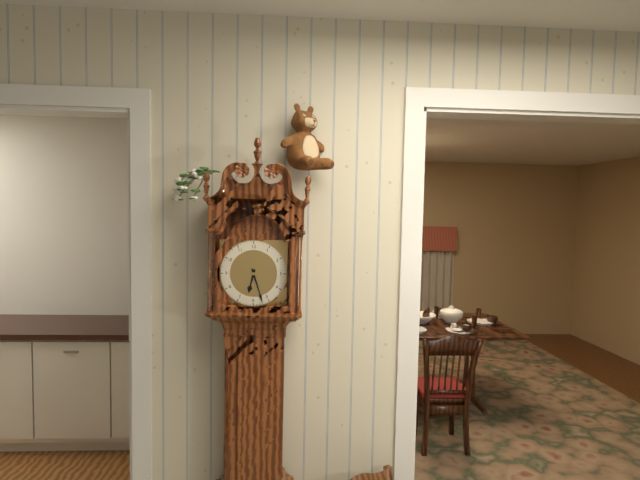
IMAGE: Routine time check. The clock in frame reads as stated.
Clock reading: 6:27
